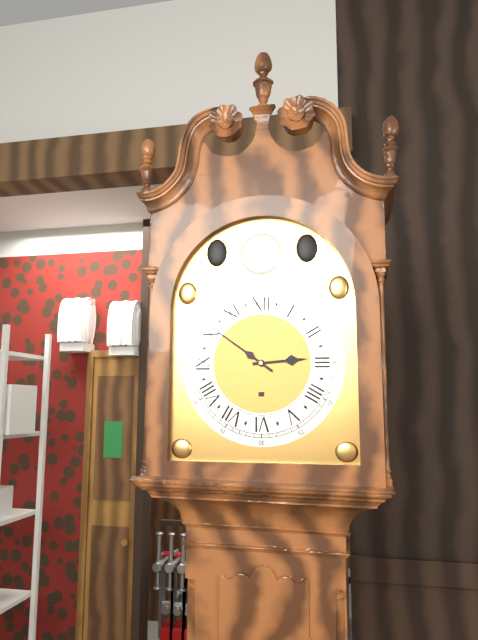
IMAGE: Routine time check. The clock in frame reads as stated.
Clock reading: 2:51
